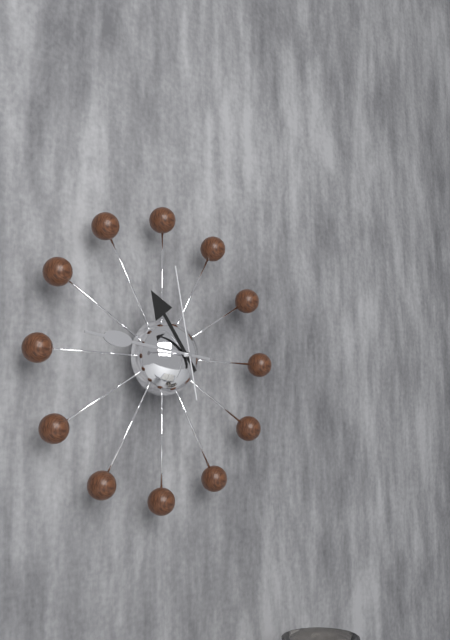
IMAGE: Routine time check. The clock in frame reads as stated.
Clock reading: 10:46:58
